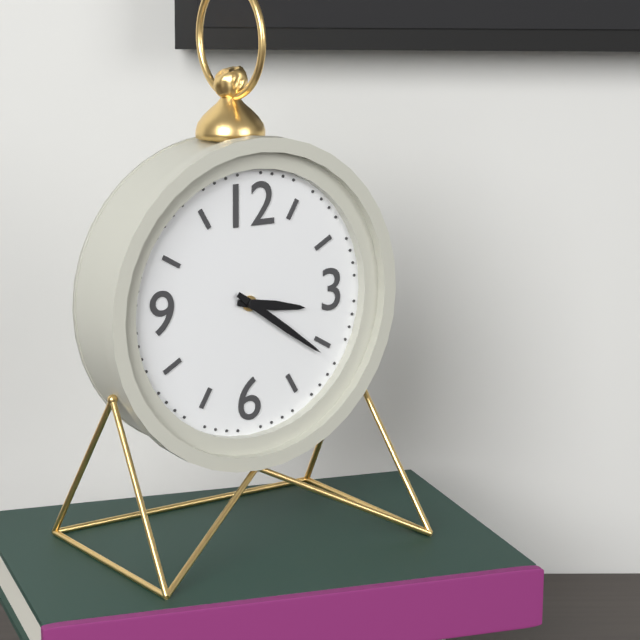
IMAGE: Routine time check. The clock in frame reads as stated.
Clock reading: 3:21
